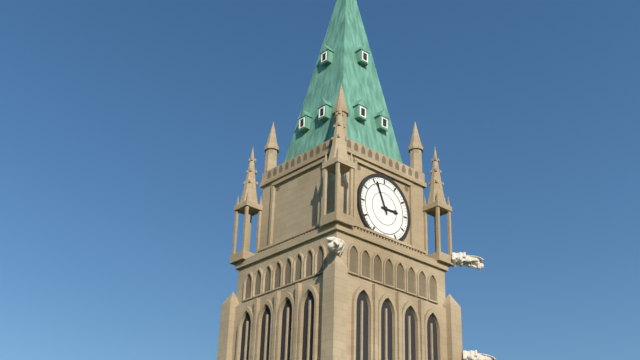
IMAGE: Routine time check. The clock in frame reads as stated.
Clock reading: 2:56
